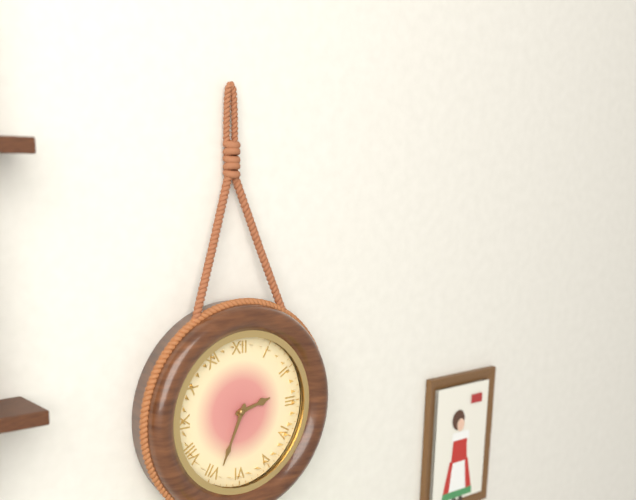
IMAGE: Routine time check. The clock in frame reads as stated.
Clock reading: 2:34
